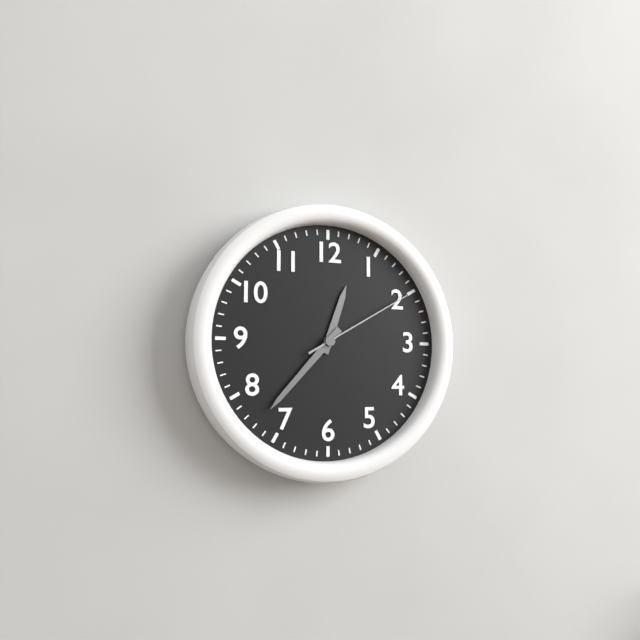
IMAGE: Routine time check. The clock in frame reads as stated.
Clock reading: 12:37:10
